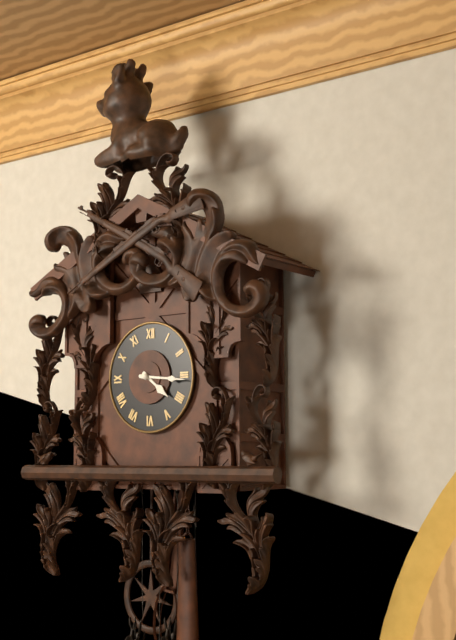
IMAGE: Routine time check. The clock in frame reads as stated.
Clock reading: 4:16
